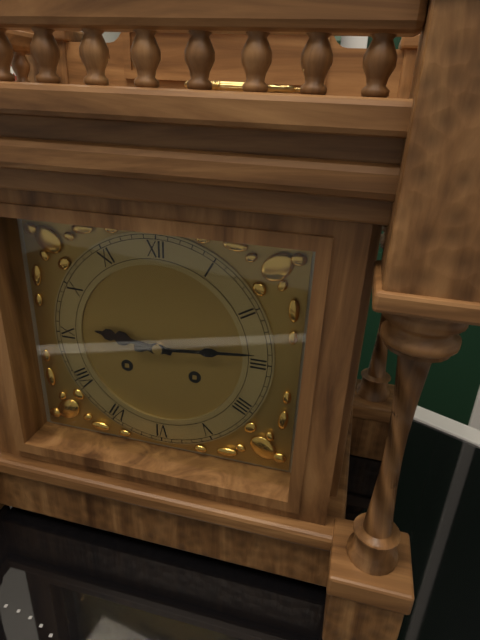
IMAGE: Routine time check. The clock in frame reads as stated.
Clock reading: 9:14
